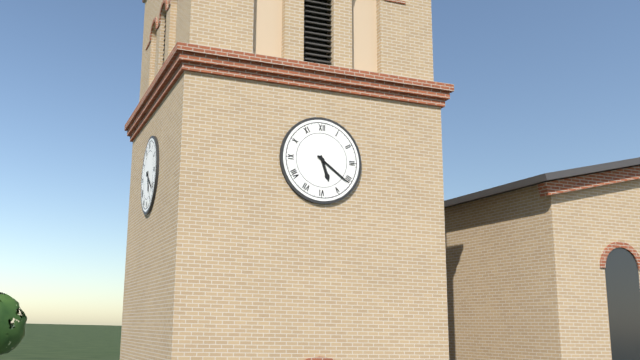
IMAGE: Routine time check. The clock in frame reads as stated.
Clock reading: 5:21
